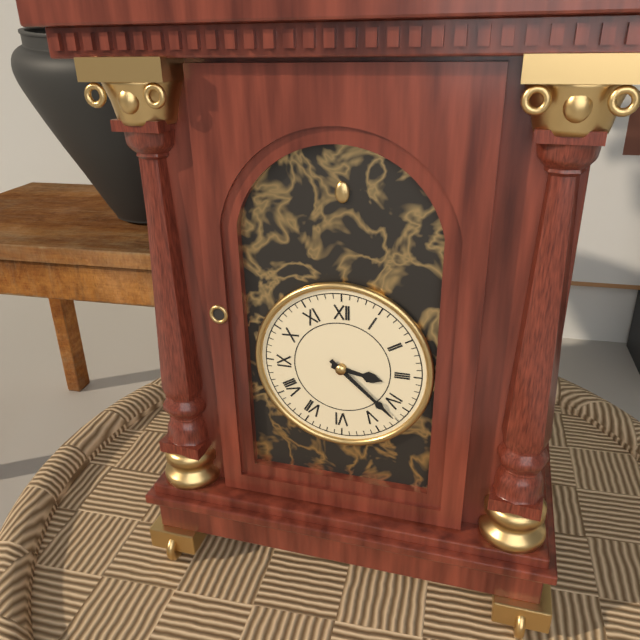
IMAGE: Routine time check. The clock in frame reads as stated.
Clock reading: 3:22
